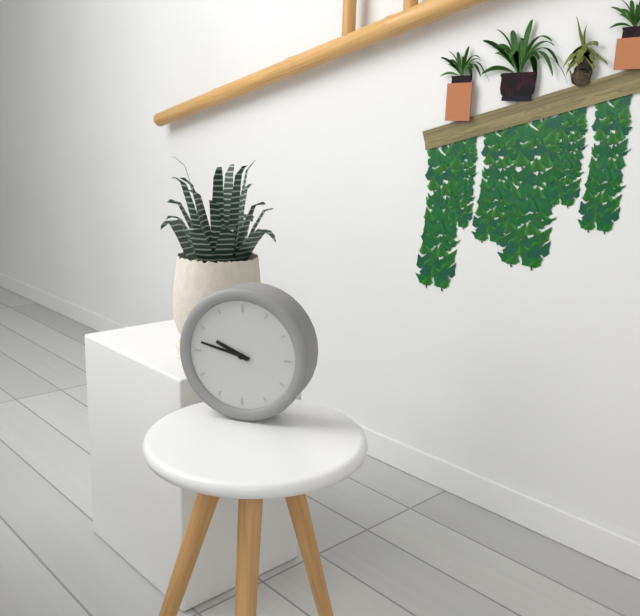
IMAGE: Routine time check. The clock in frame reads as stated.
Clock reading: 9:47
